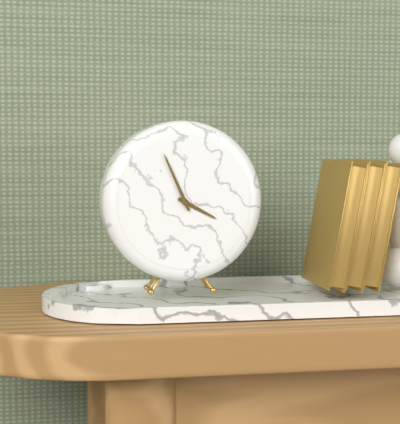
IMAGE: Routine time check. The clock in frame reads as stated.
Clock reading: 3:56
